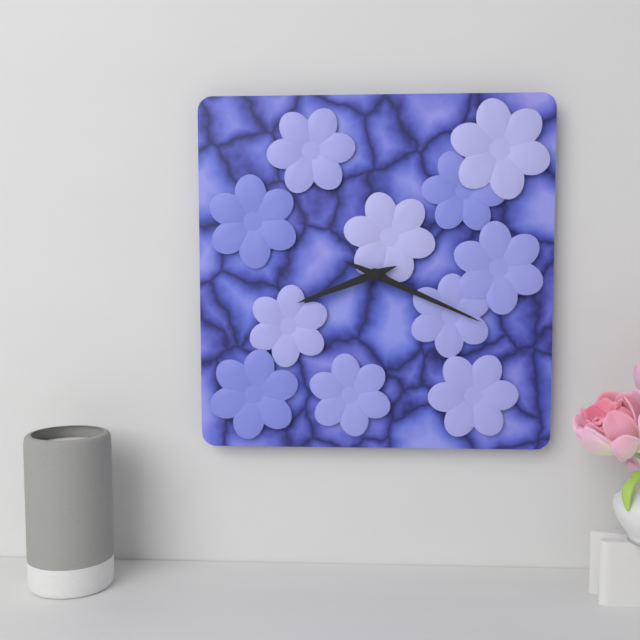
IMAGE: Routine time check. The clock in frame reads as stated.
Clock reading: 8:19
